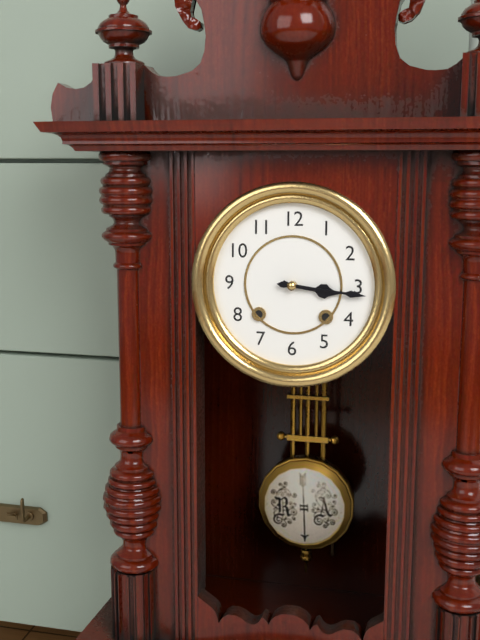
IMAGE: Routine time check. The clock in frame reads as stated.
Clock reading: 3:16
